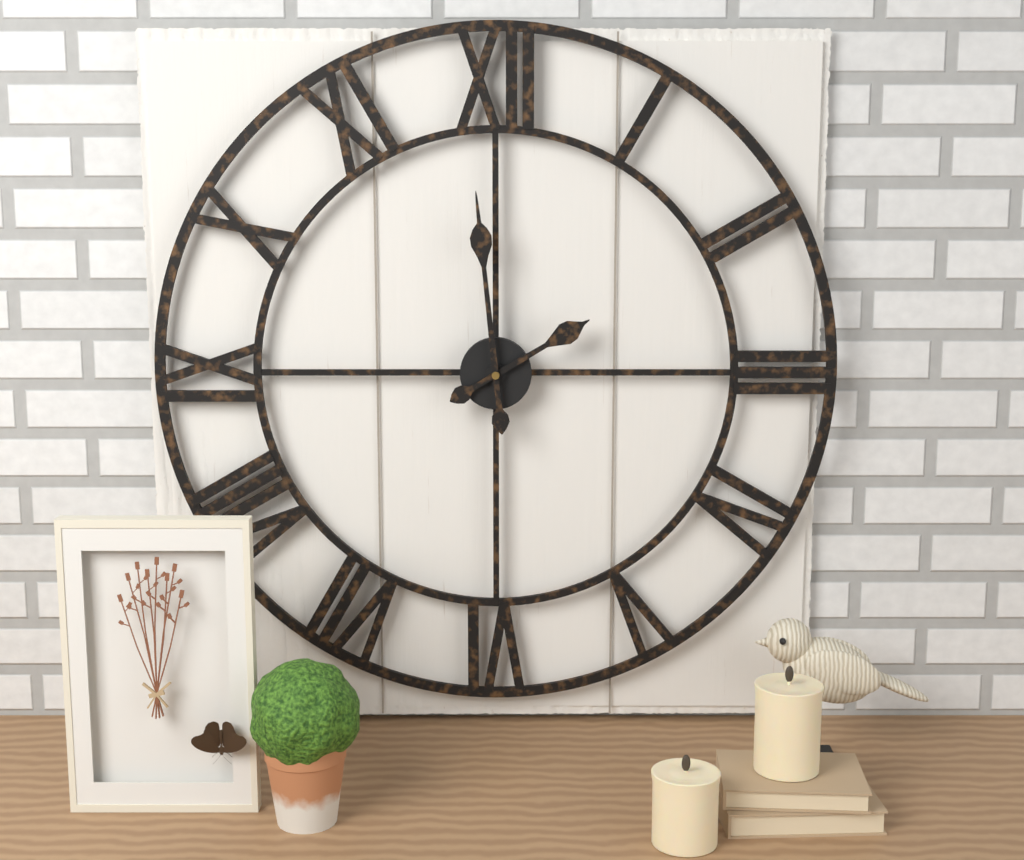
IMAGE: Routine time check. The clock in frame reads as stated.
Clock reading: 1:59
